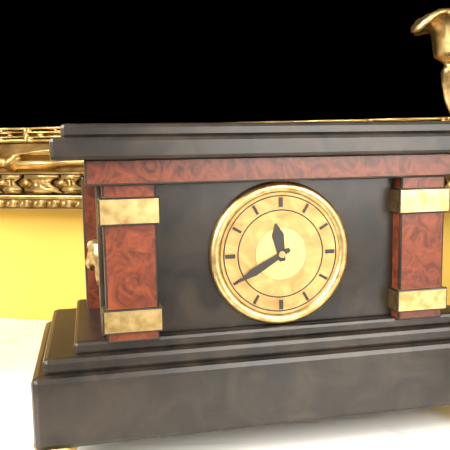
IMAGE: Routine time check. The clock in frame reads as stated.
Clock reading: 11:40
